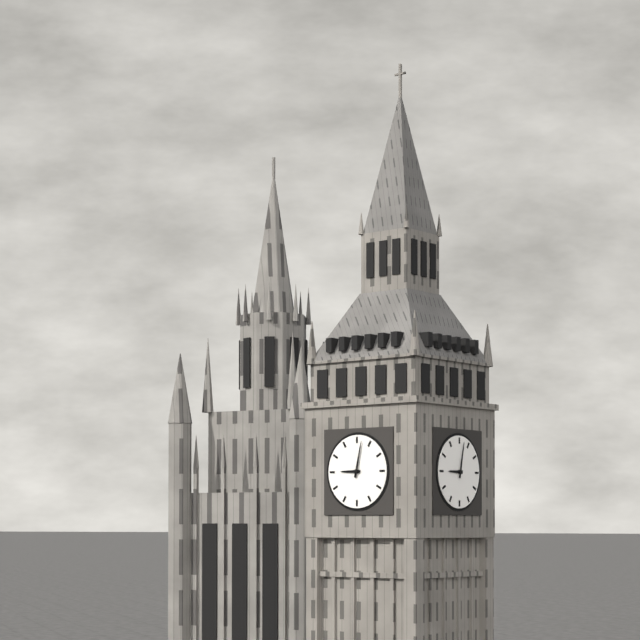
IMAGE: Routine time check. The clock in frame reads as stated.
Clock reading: 9:02
